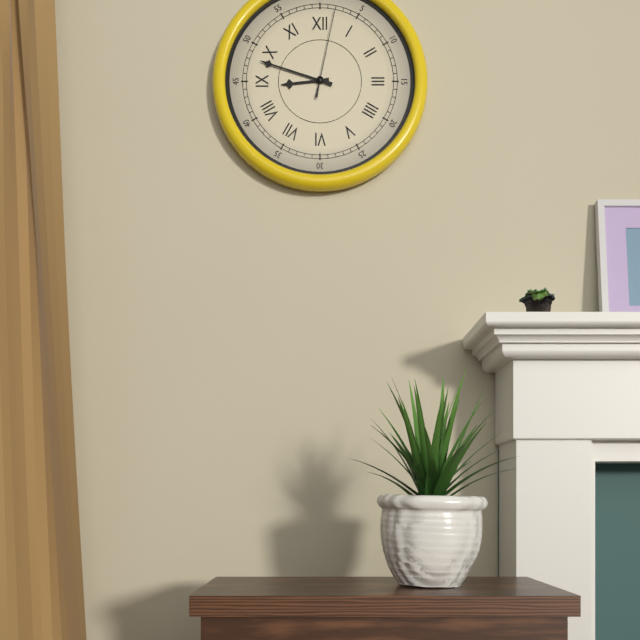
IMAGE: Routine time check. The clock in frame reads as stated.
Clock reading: 8:48:02
